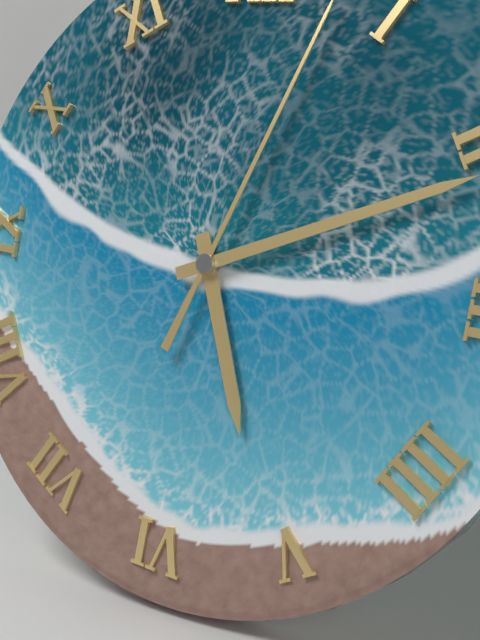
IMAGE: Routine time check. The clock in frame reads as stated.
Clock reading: 5:11
